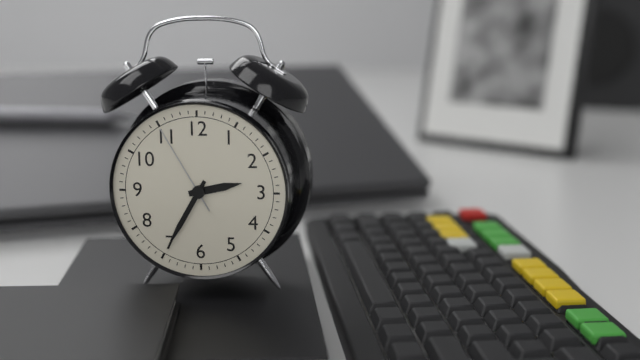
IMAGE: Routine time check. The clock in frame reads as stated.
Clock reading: 2:35:55
